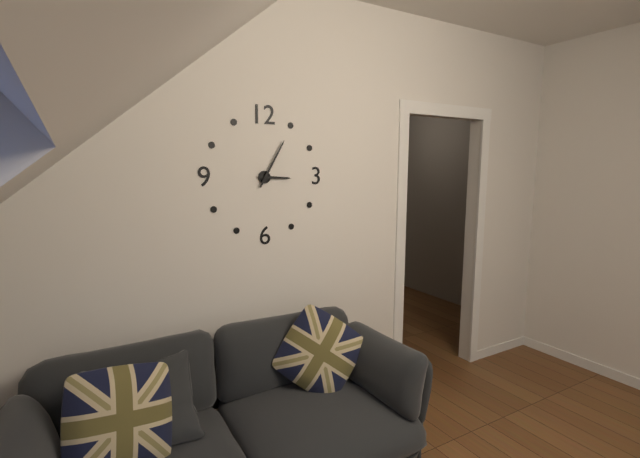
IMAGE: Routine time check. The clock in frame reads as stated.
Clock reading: 3:05
